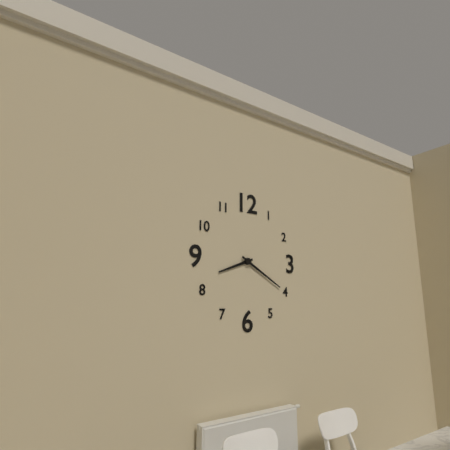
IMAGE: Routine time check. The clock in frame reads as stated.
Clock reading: 8:20
